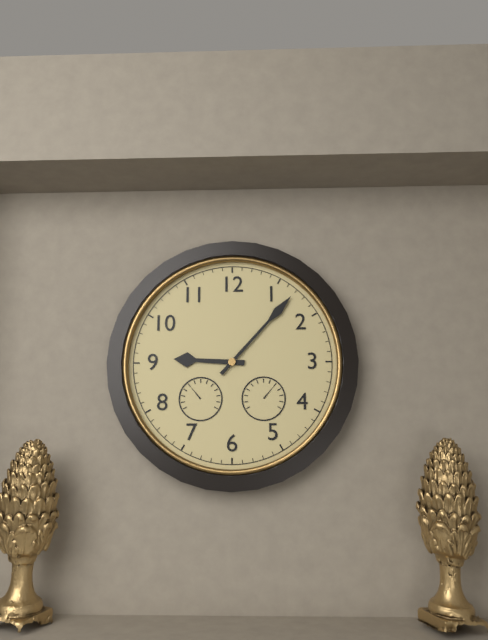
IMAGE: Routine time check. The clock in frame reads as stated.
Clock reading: 9:07
